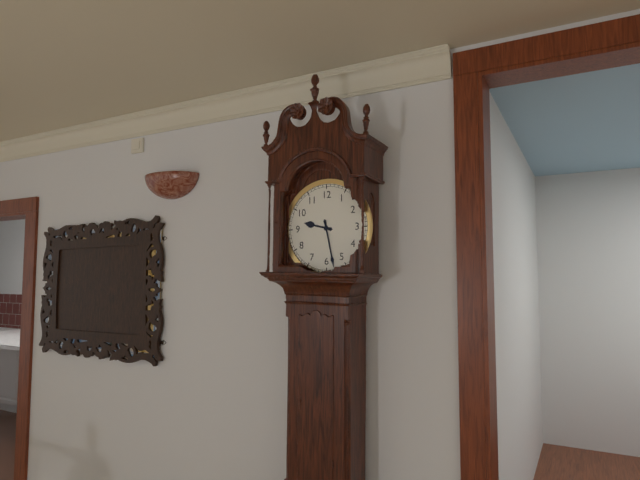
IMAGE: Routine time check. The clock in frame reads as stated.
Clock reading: 9:28
